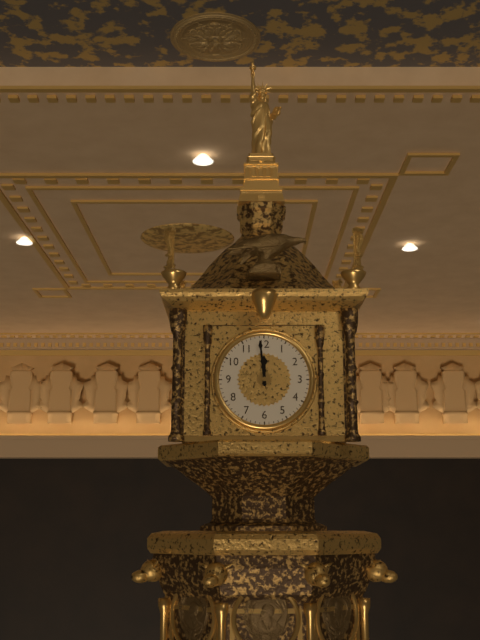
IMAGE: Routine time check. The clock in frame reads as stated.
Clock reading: 11:59
